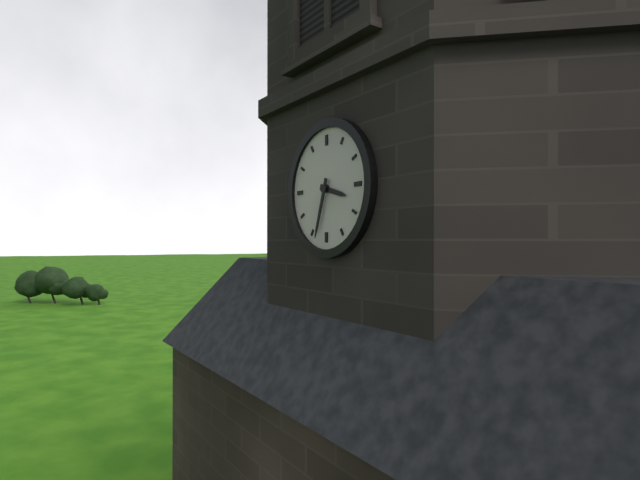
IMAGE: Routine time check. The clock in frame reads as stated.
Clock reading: 3:33
